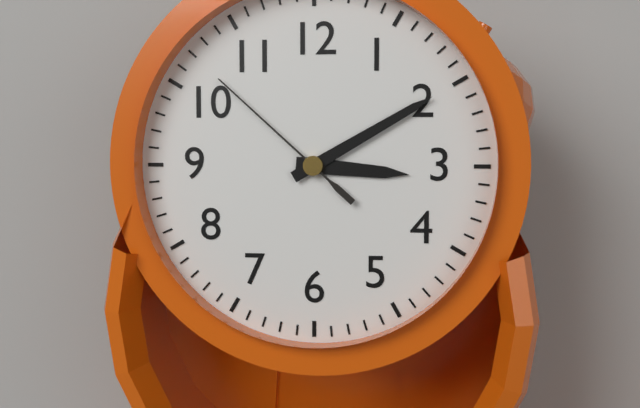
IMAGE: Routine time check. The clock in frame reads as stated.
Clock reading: 3:10:52
